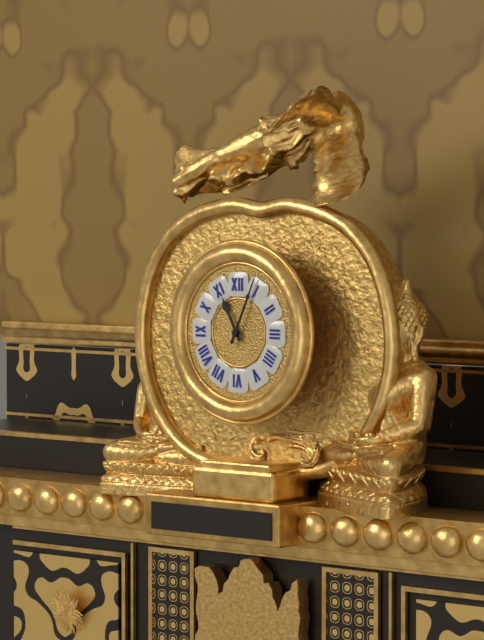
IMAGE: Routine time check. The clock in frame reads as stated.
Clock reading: 11:04
